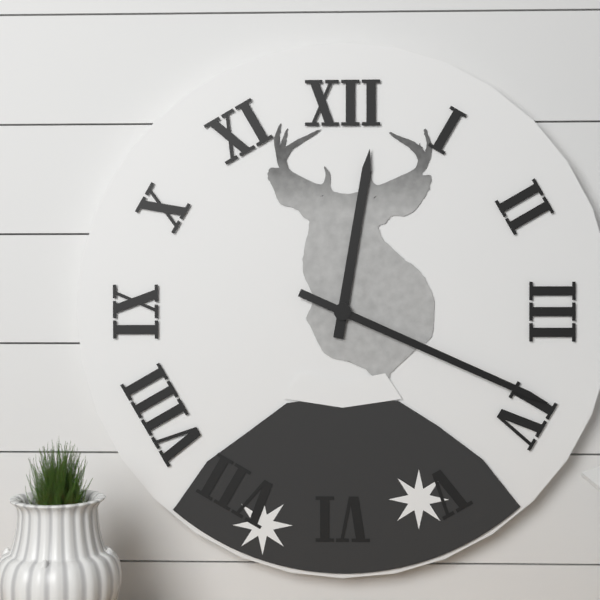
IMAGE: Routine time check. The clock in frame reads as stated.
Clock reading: 12:19
